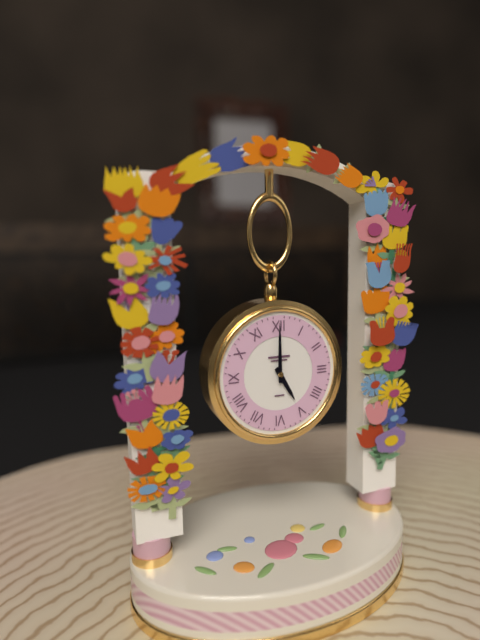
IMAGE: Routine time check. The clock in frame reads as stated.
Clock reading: 5:00
